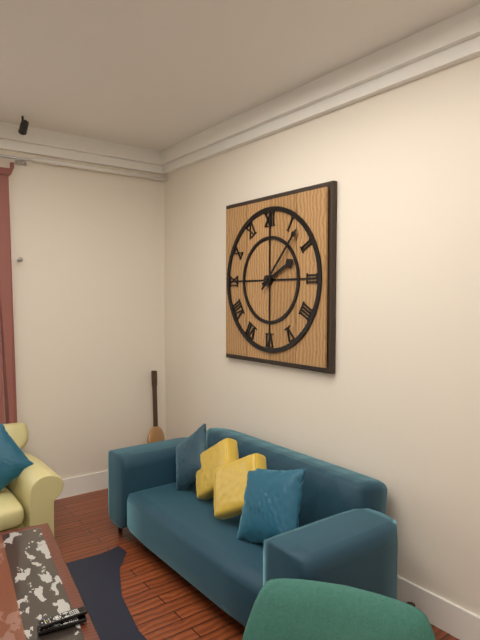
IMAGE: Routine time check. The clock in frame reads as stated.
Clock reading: 2:07
